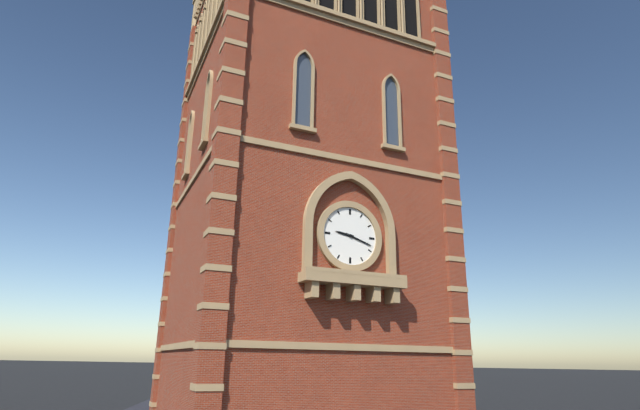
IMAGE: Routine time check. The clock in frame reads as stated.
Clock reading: 9:18
